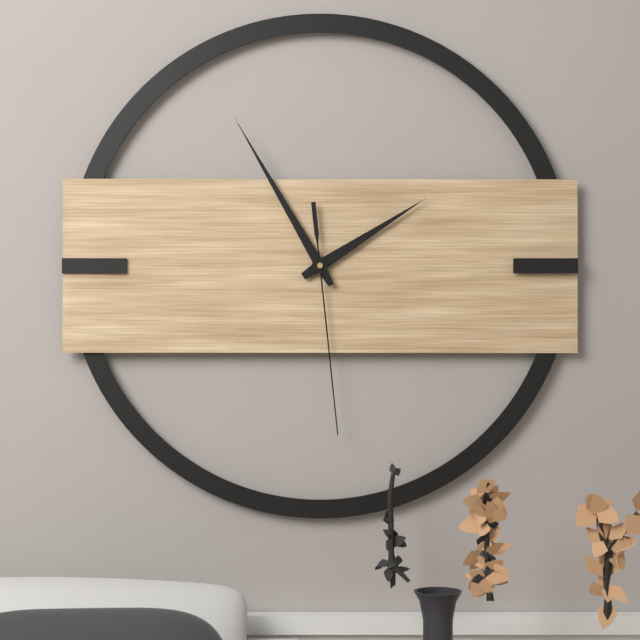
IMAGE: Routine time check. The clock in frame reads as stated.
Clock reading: 1:55:29
